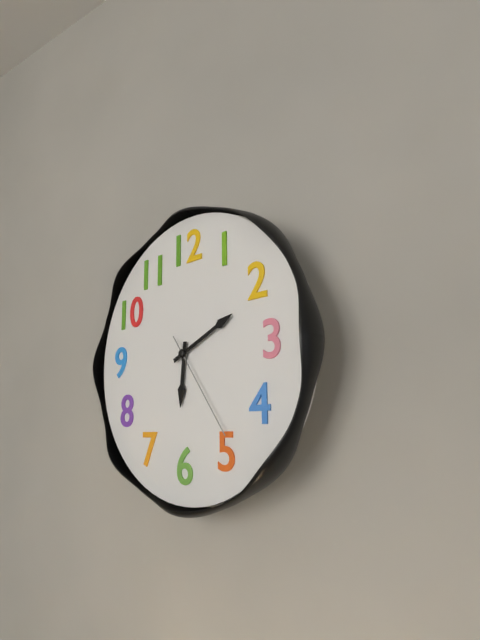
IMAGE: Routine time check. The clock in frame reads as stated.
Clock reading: 6:11:24
